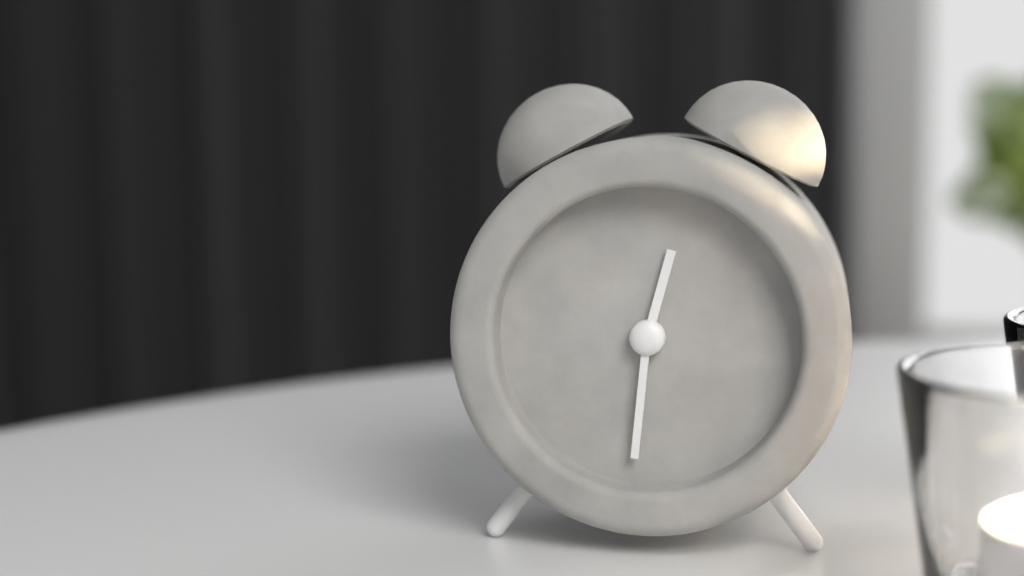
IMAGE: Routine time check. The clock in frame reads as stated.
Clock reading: 12:31
